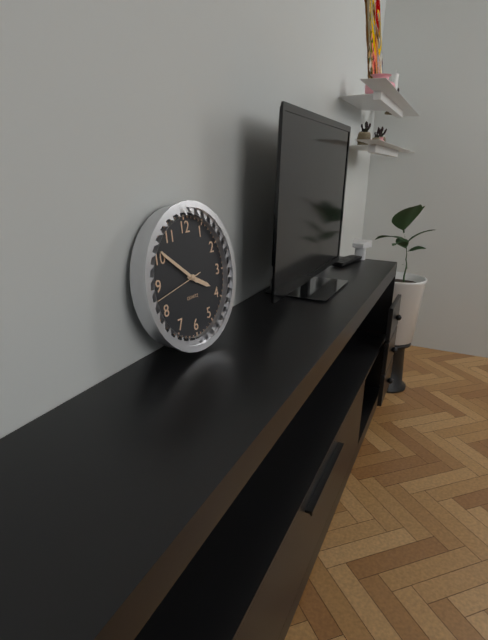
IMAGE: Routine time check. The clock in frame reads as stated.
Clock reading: 3:51
